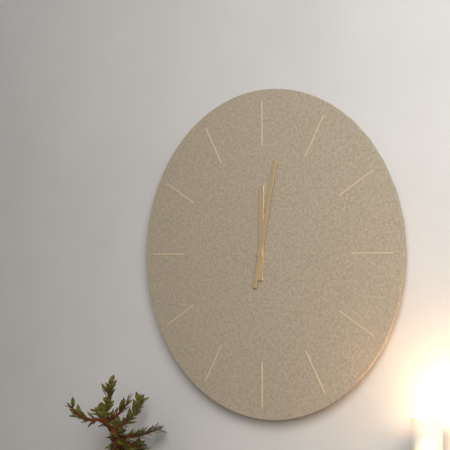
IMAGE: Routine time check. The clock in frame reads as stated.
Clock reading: 12:02
